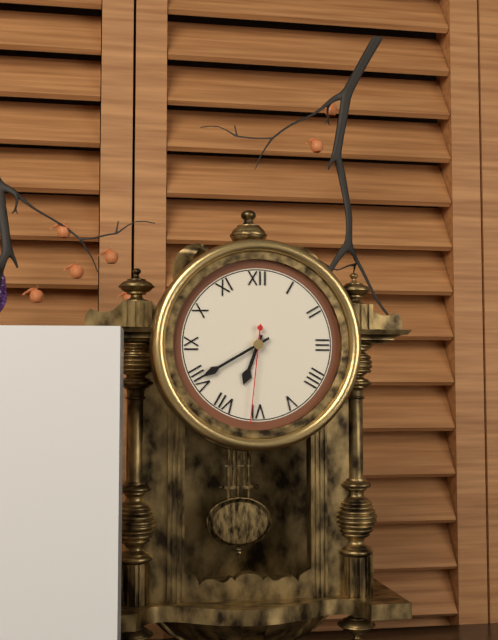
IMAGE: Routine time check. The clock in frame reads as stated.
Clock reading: 6:40:31
